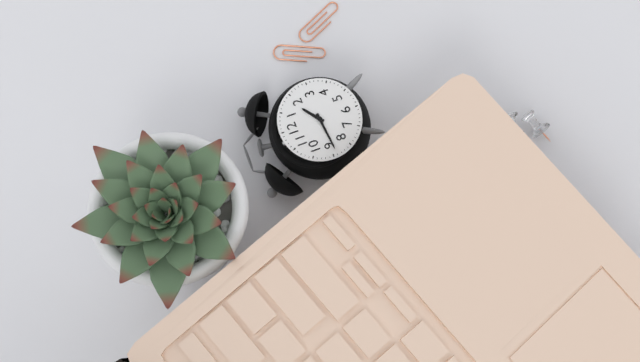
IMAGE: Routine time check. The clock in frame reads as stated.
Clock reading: 1:44
